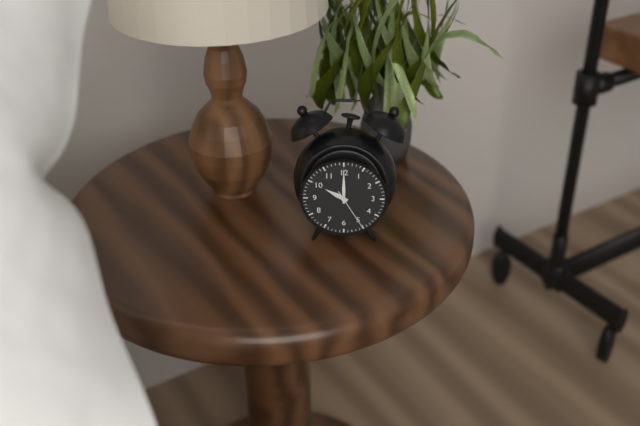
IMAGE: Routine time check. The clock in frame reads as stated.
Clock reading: 10:00
